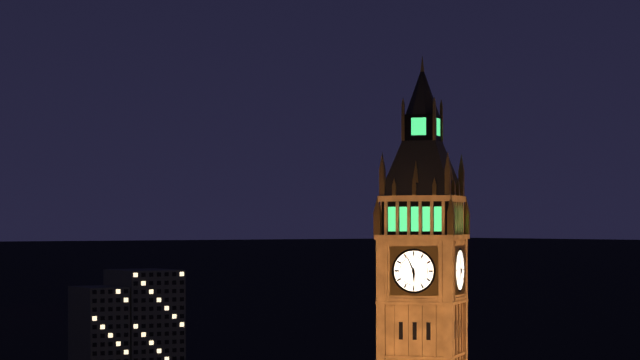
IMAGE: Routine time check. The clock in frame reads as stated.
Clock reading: 5:56
